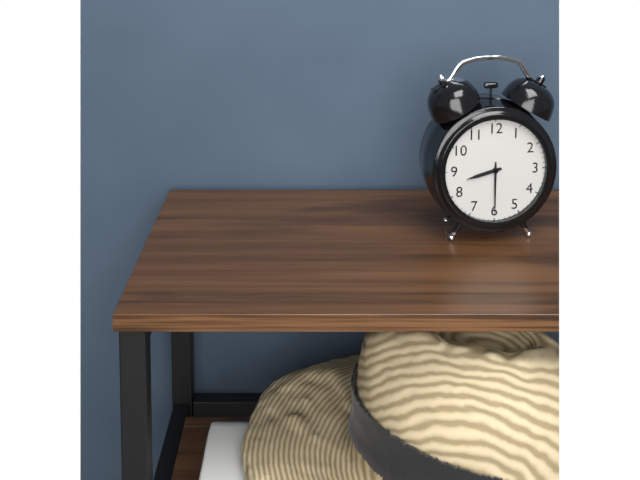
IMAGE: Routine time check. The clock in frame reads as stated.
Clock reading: 8:30
